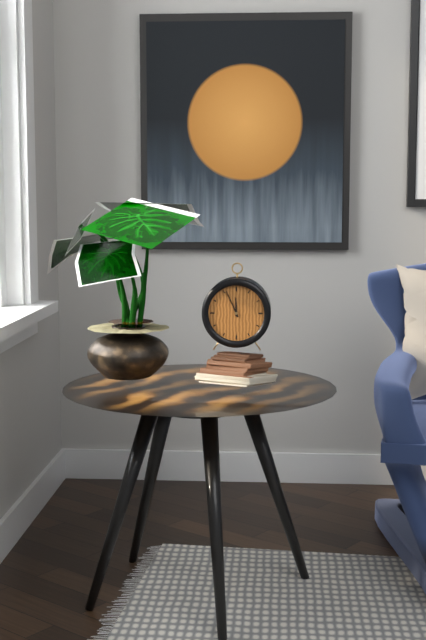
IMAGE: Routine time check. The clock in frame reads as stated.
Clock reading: 11:56
